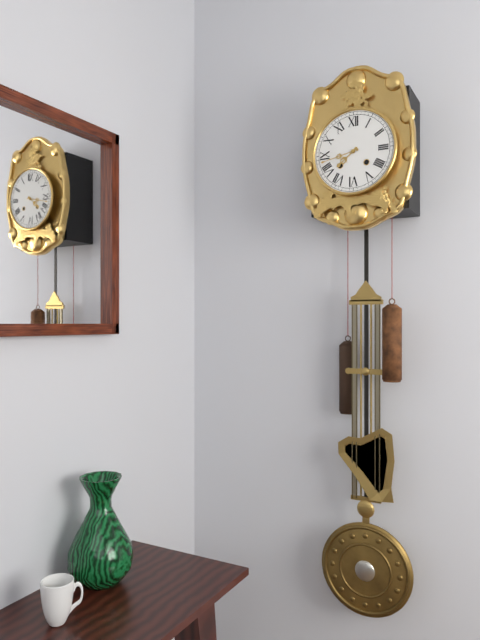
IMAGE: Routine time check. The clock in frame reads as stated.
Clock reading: 7:43
